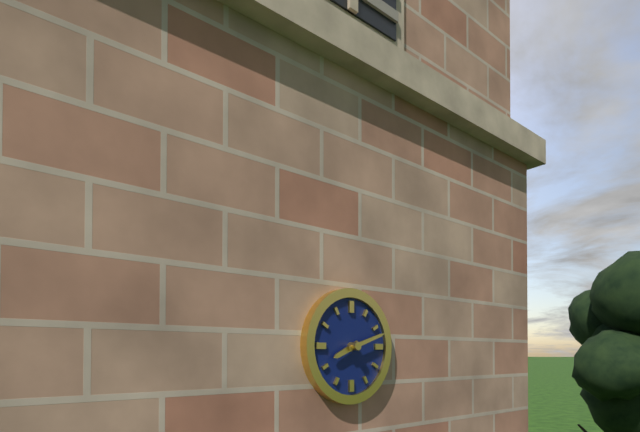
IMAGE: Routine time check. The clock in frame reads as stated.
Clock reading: 8:12
